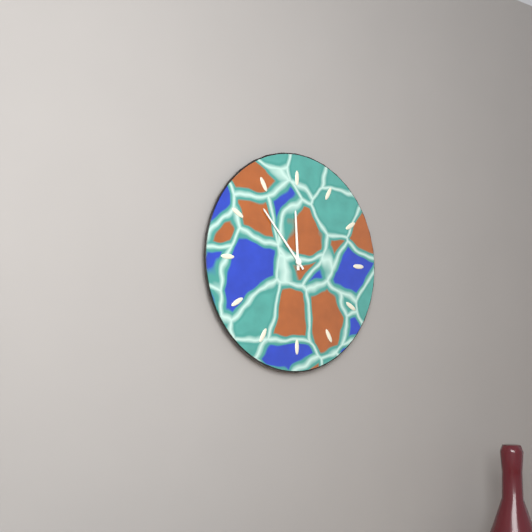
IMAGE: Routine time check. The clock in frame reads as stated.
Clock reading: 11:53
